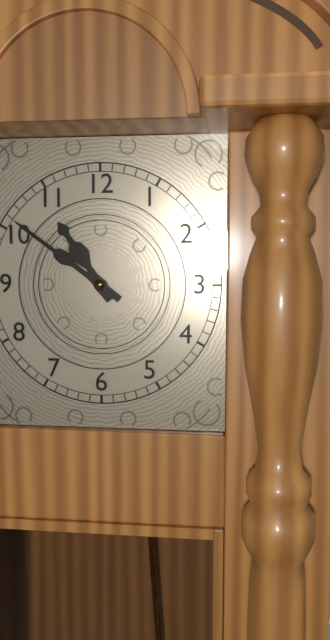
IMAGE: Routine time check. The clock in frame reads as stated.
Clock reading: 10:51
